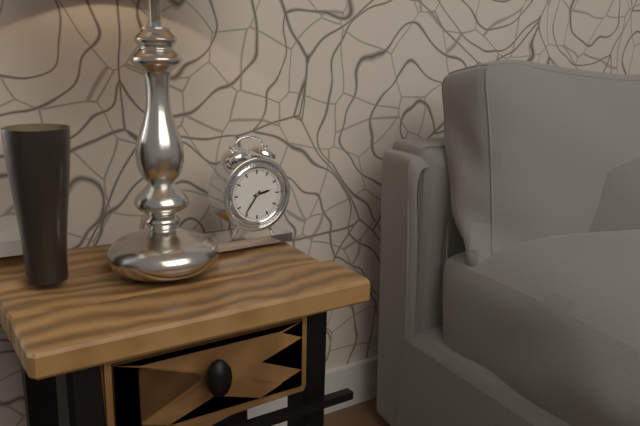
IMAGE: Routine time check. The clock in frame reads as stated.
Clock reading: 2:36
